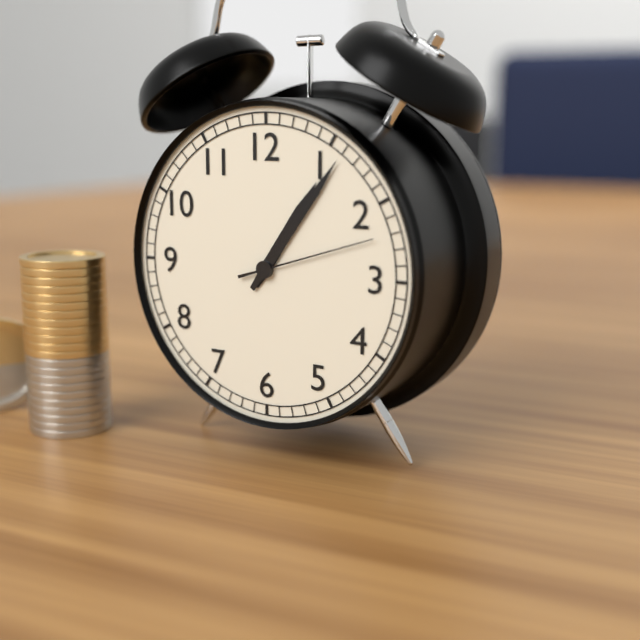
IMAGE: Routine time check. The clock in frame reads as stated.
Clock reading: 1:06:12
